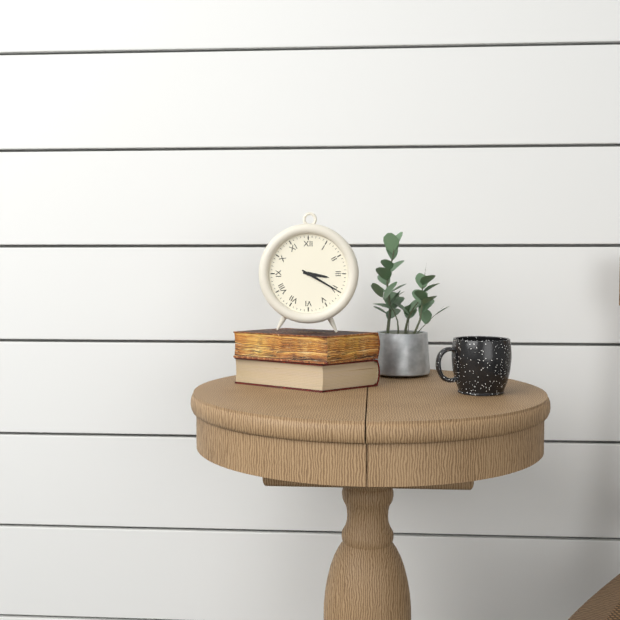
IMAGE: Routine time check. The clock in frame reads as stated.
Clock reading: 3:20
